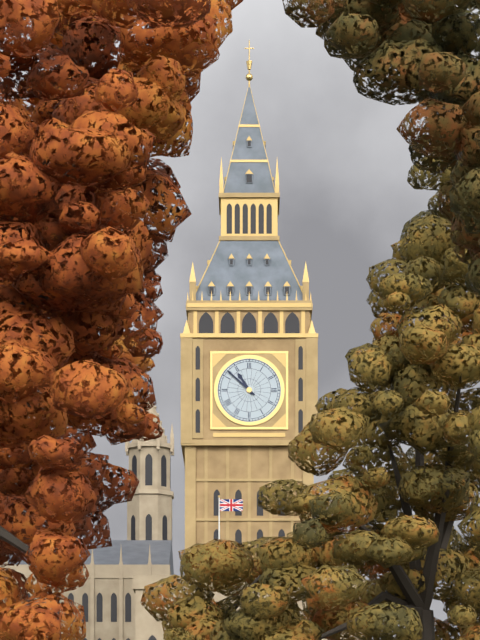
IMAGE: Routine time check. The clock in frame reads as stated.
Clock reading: 10:52
